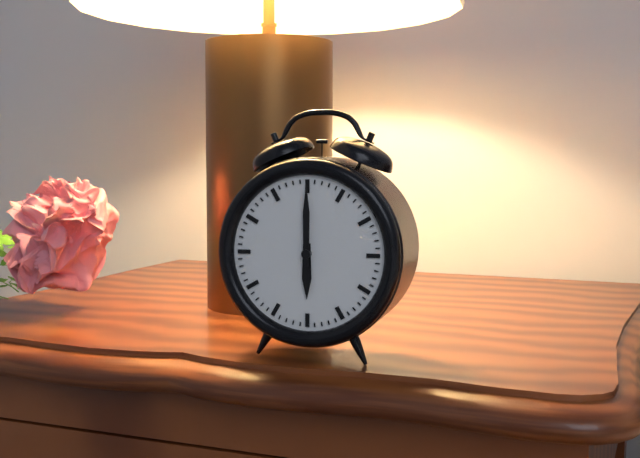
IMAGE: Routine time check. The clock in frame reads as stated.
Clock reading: 6:00
